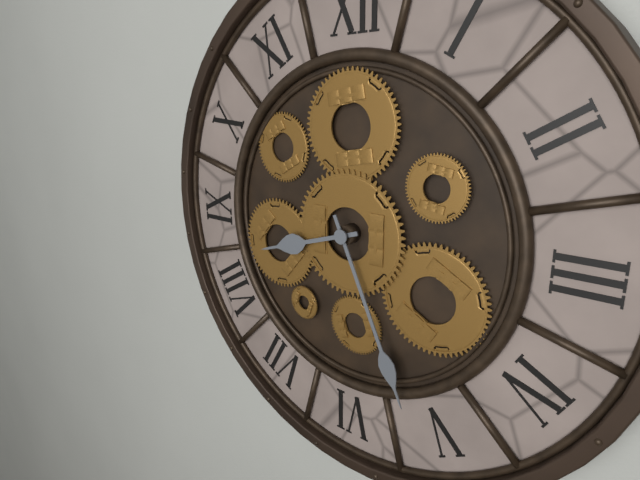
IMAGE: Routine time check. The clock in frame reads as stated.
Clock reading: 8:26
